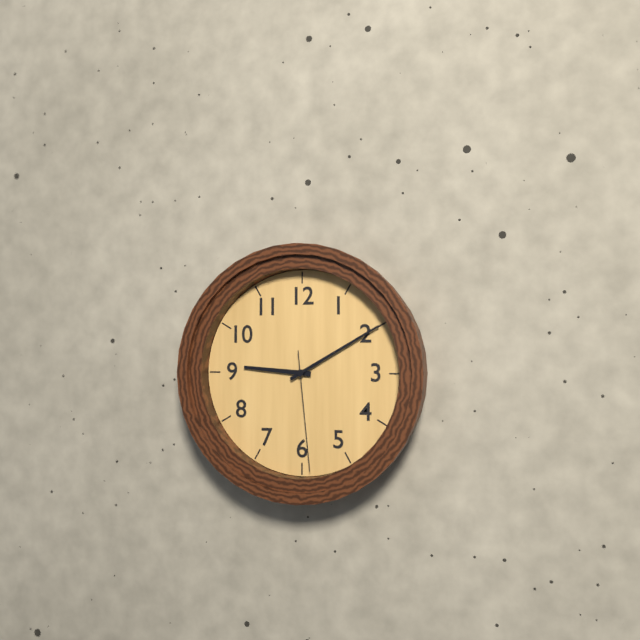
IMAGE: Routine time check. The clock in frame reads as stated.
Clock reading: 9:10:29
